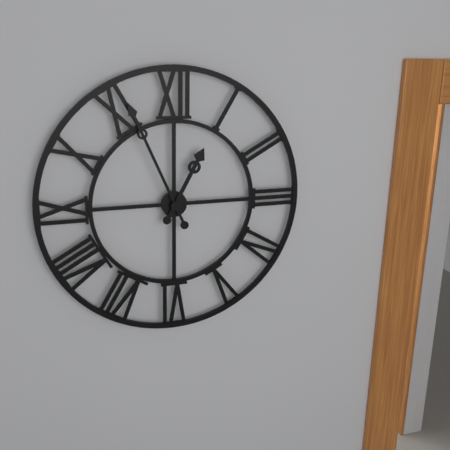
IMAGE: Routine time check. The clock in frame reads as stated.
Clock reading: 12:56
